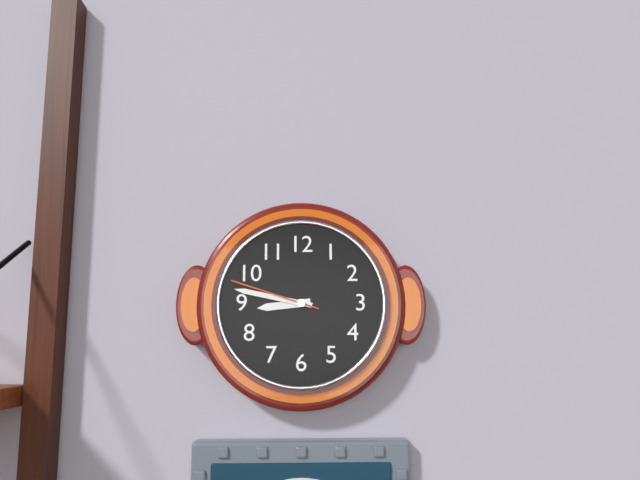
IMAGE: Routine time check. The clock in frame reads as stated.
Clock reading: 8:47:48
